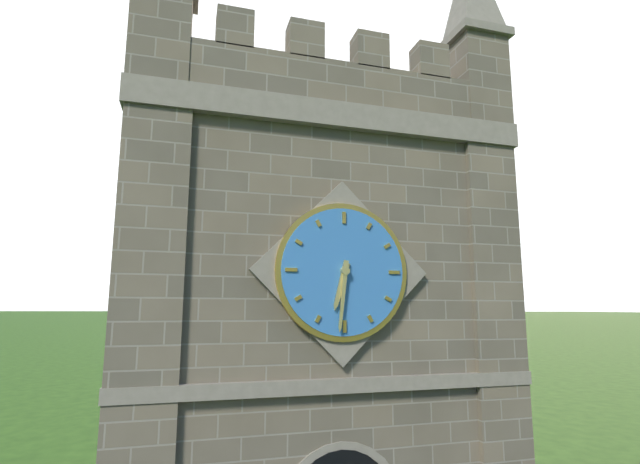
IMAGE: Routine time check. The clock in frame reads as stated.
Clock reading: 6:31
